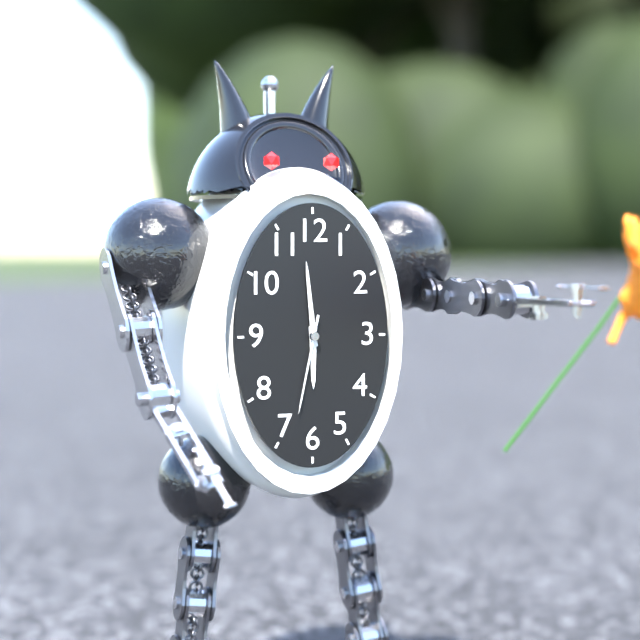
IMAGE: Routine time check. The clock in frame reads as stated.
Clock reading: 5:59:32
